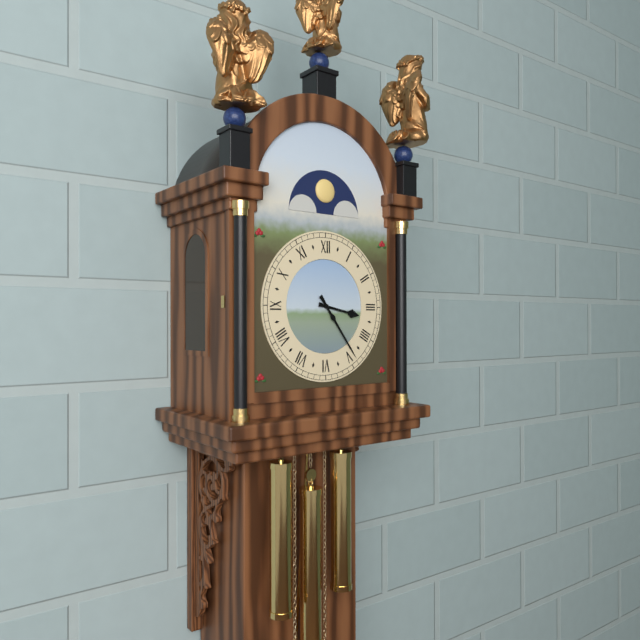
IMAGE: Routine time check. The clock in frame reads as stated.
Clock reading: 3:24
